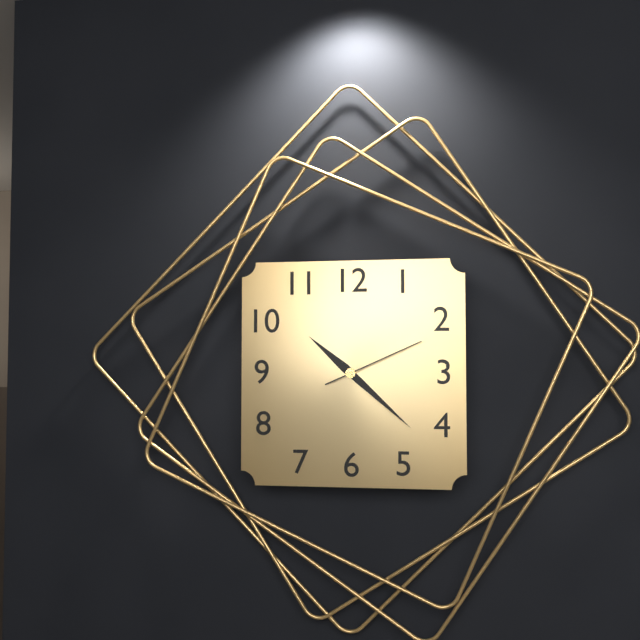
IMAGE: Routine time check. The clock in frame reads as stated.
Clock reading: 10:22:11
